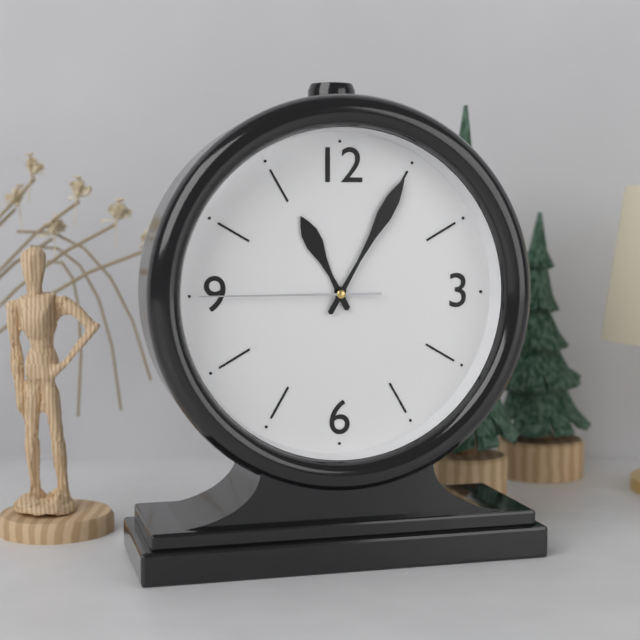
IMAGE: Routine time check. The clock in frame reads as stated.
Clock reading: 11:05:45
